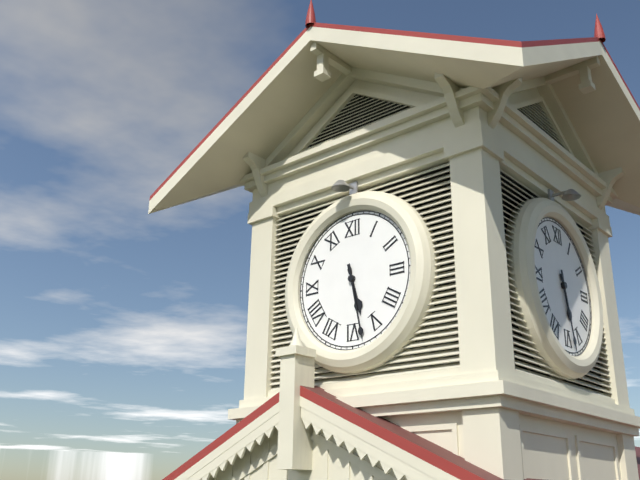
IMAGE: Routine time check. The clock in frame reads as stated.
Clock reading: 5:28
